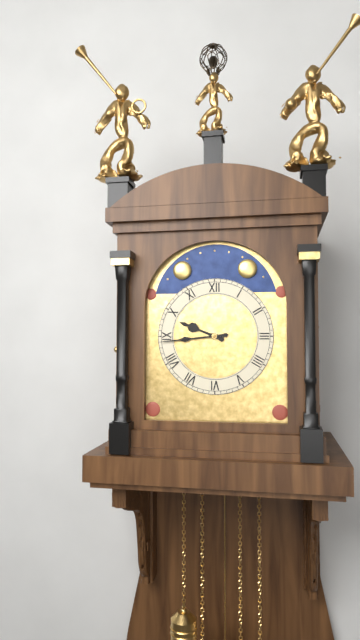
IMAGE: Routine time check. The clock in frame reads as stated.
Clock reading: 9:44
